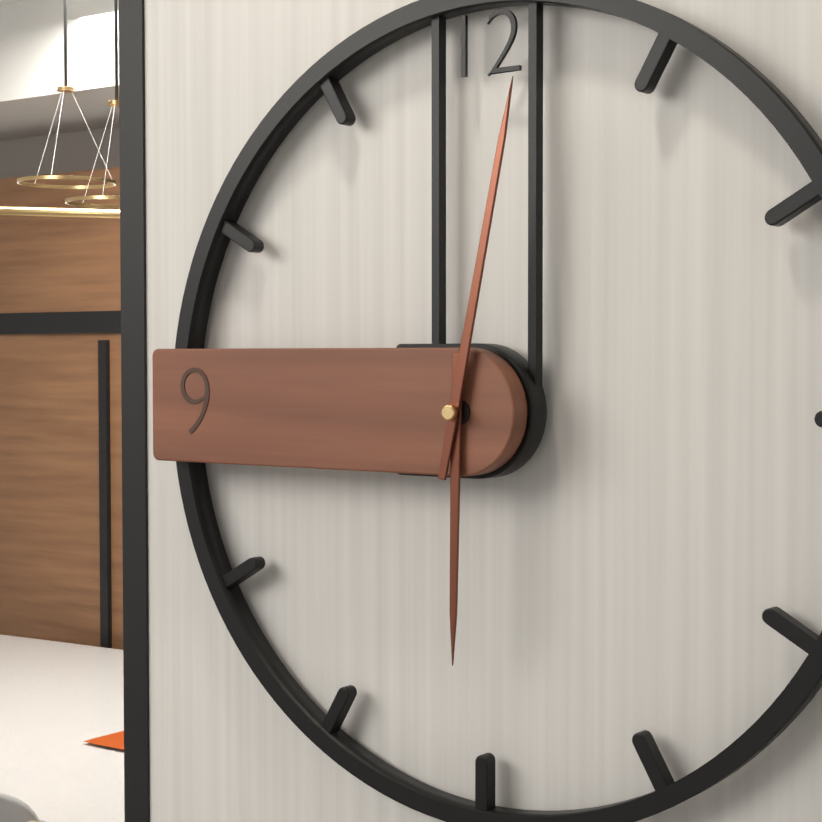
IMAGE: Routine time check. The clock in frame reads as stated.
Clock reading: 6:02
